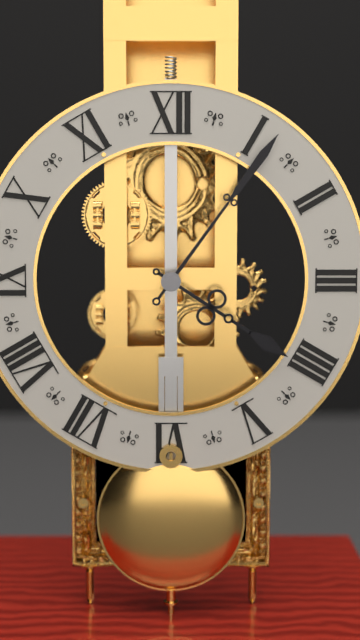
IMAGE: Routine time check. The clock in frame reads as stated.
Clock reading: 4:06
